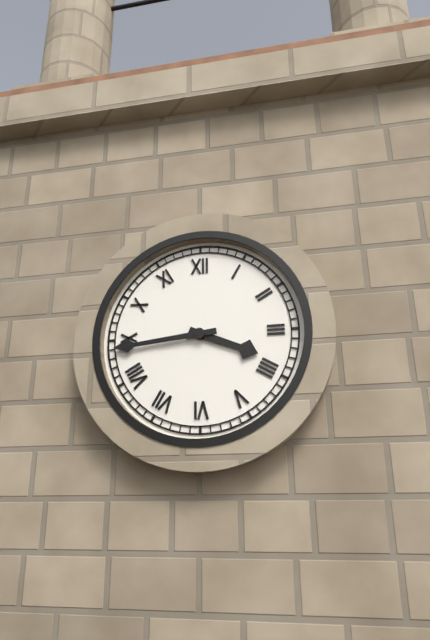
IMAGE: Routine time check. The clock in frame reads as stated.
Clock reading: 3:44
